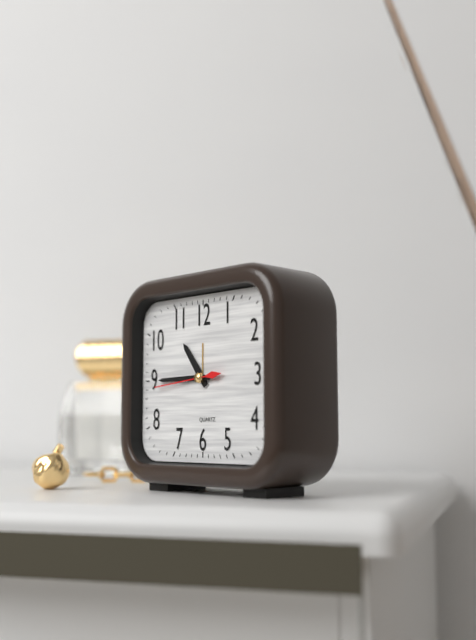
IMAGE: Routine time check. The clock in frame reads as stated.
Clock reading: 10:45:44
